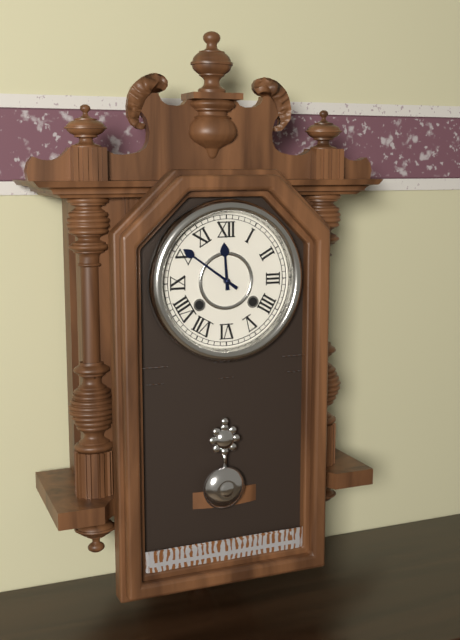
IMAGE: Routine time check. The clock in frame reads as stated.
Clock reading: 11:51
